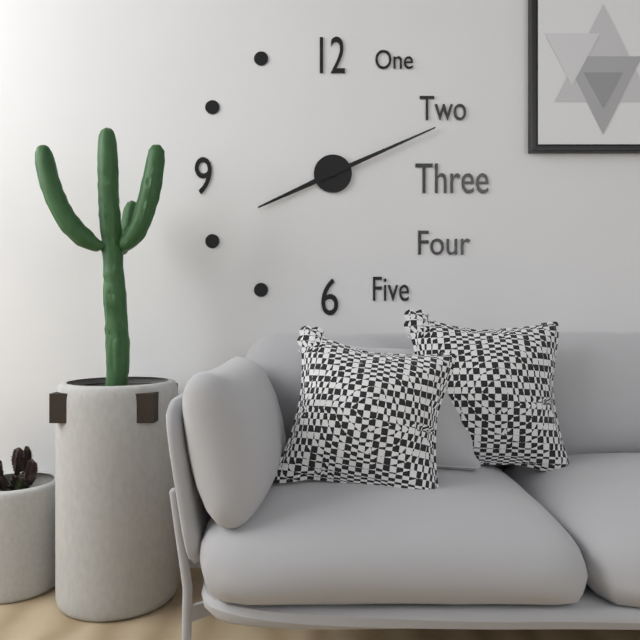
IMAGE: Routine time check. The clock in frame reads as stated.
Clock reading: 8:11
